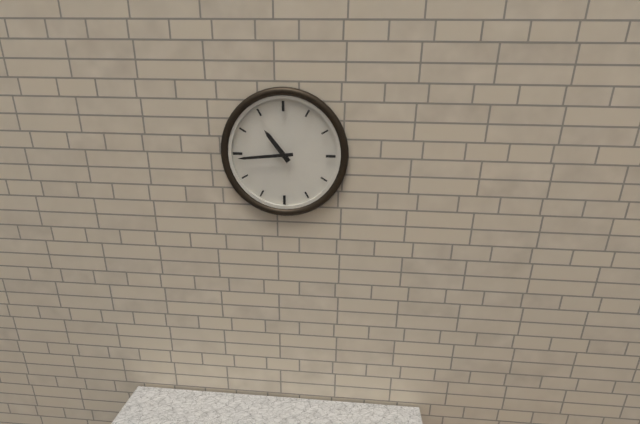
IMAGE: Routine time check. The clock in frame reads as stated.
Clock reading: 10:44
